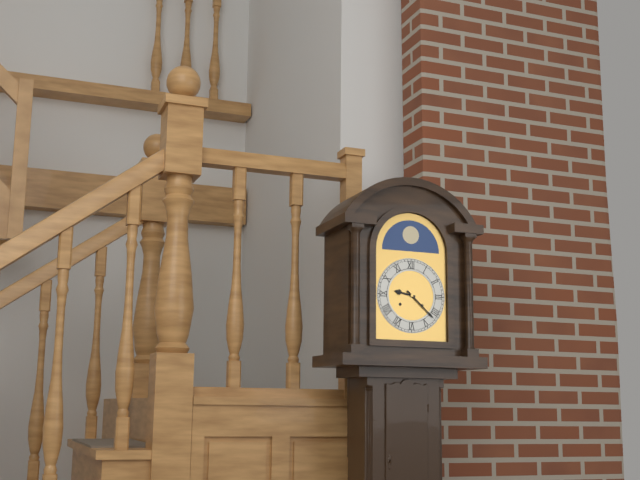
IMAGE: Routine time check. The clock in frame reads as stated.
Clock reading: 9:22
